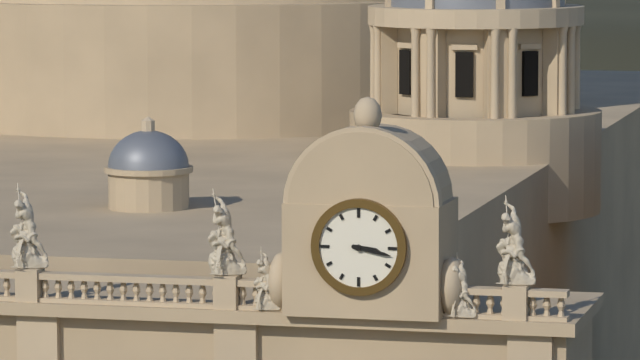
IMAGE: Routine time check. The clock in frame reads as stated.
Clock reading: 3:17
